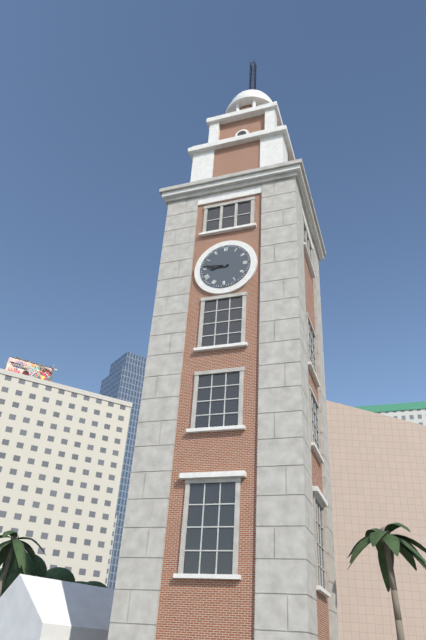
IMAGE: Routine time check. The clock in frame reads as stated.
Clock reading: 8:46
